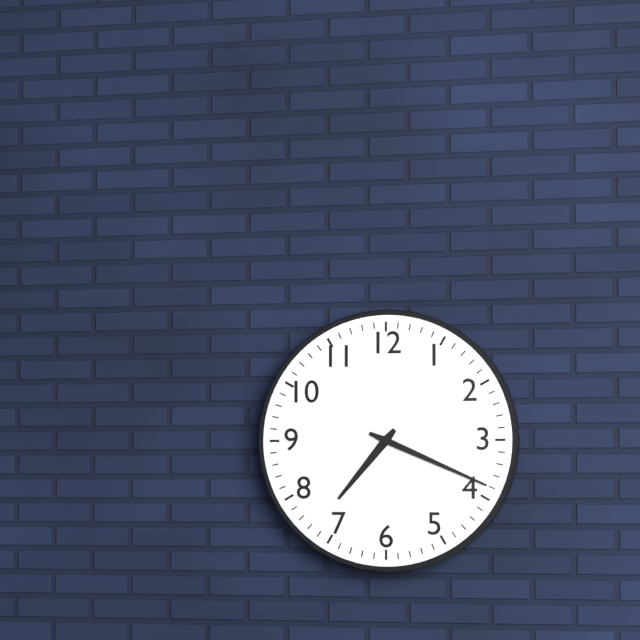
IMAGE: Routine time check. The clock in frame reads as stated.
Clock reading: 7:19
